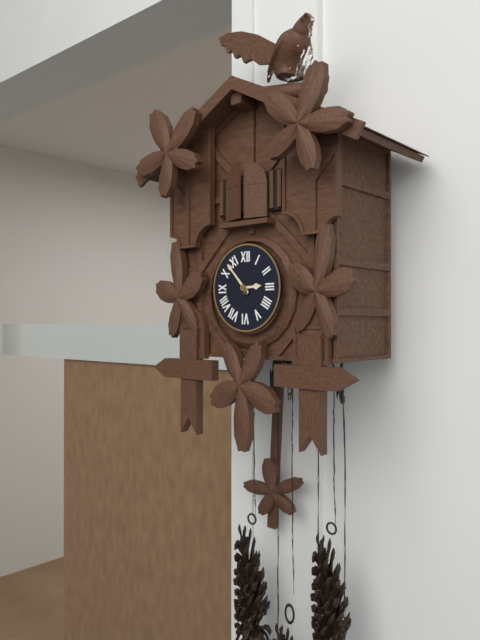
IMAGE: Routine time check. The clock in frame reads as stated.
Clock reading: 2:53
